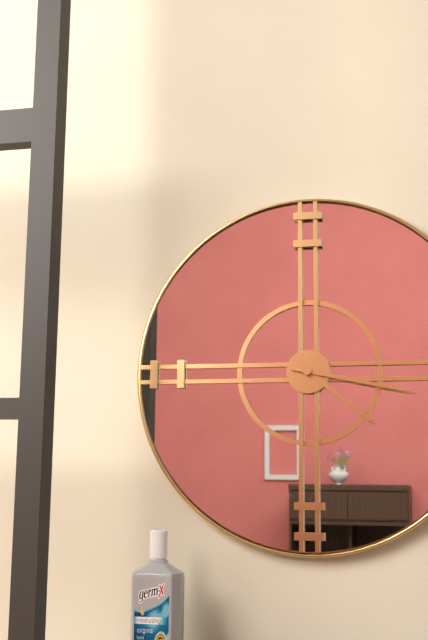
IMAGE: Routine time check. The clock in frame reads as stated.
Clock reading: 4:17
